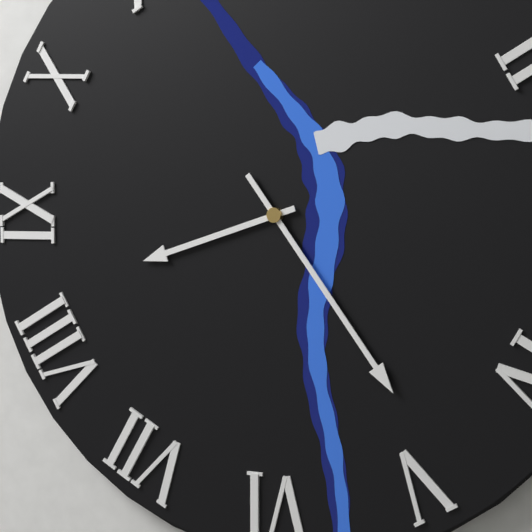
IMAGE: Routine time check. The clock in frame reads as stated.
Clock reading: 8:24
